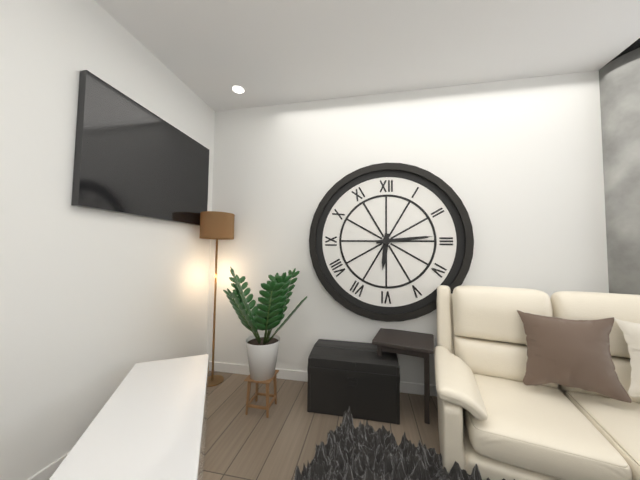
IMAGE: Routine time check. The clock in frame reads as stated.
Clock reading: 6:14
